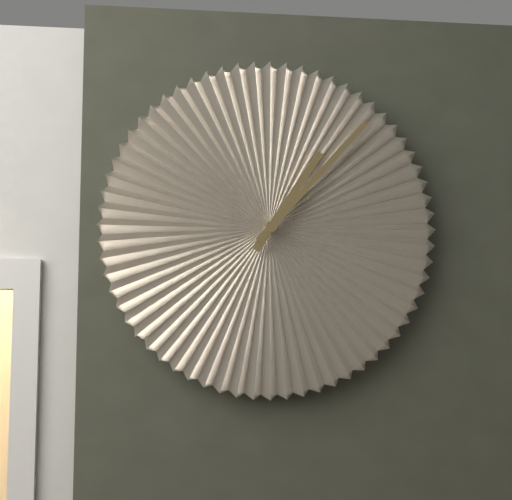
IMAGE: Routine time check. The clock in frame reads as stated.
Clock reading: 1:07
